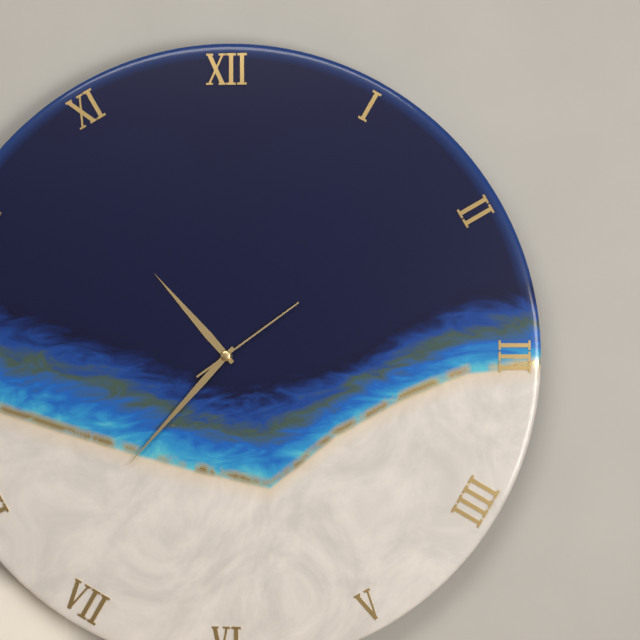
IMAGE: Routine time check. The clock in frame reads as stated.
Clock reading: 10:37:09
